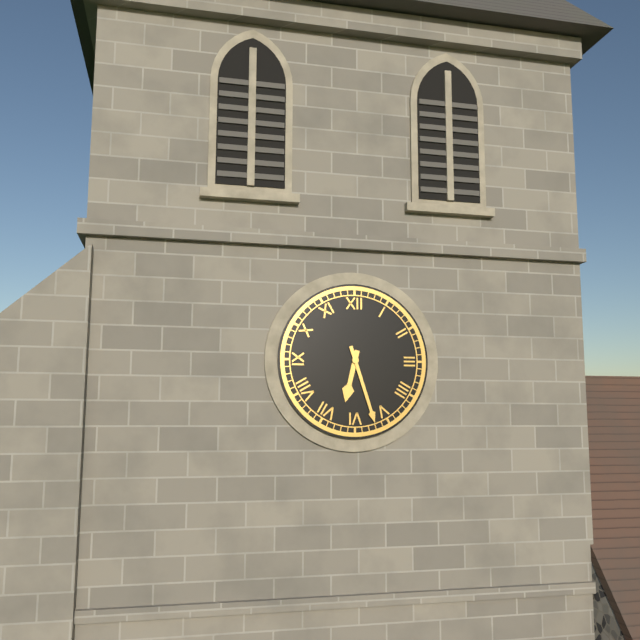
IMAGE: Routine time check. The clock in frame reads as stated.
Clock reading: 6:27
